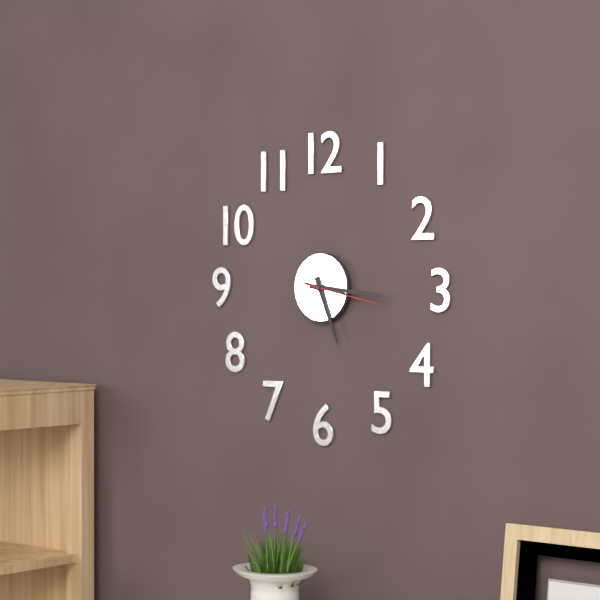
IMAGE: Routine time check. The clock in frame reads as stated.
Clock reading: 5:16:17
